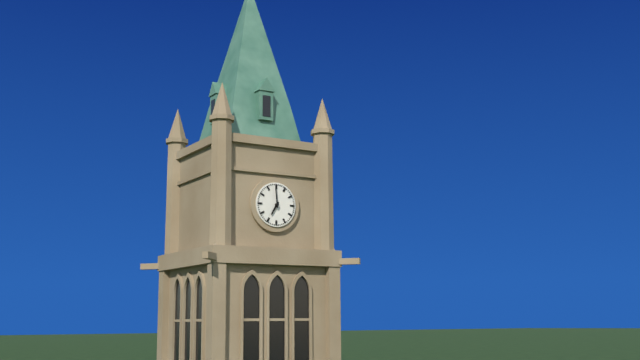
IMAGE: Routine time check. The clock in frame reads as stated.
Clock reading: 6:59
